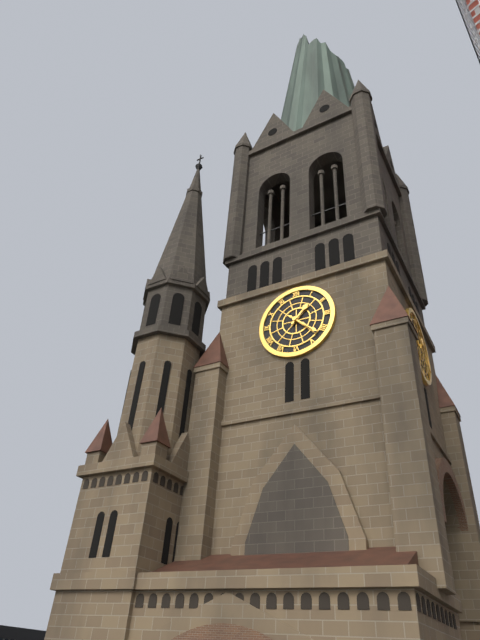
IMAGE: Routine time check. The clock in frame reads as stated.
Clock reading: 1:22
